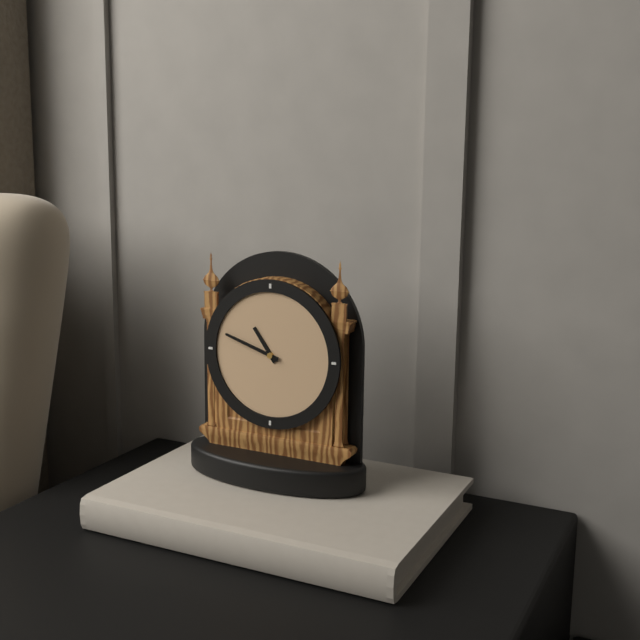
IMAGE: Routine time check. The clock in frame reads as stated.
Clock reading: 10:48
